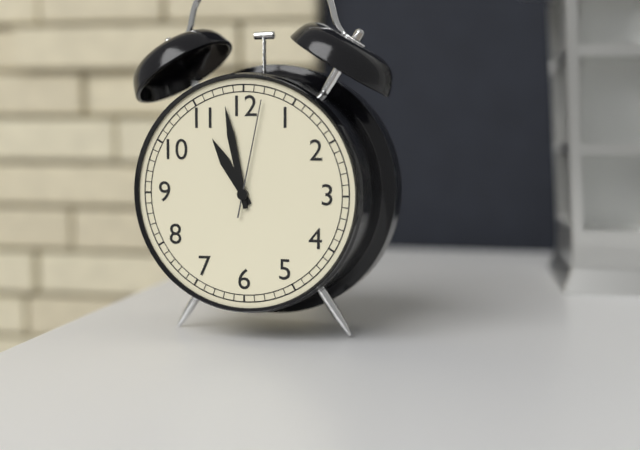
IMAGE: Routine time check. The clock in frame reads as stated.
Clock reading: 10:58:02
